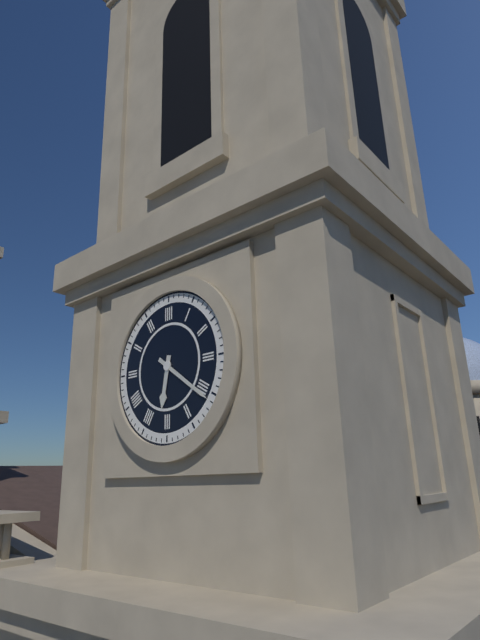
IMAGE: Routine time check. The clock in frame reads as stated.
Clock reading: 6:21
